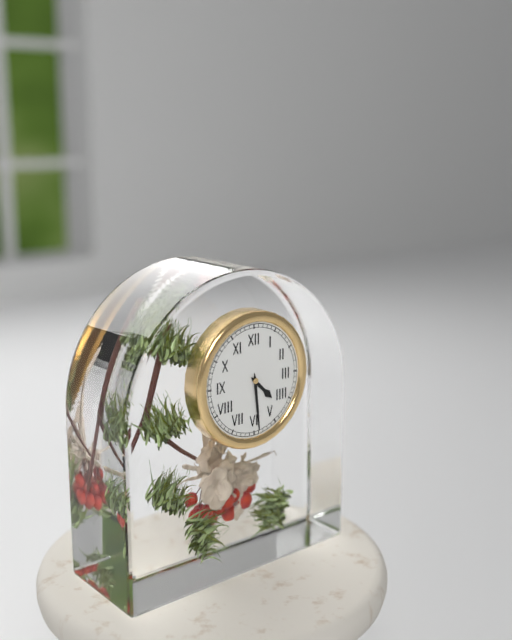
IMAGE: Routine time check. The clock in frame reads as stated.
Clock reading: 4:29
